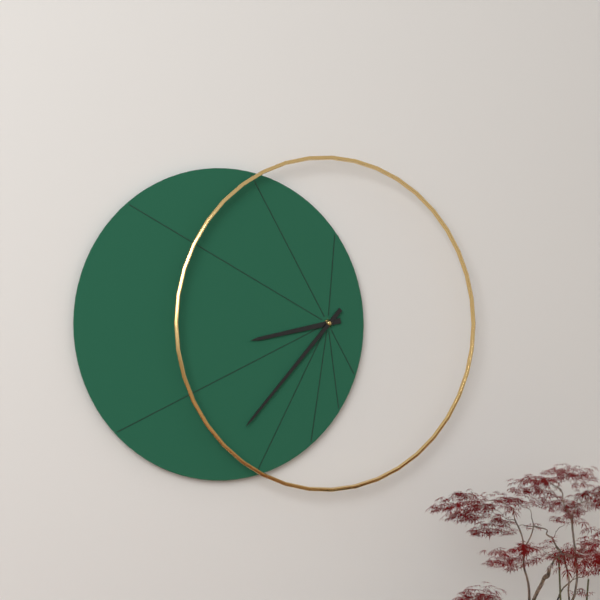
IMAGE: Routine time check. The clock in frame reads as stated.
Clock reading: 8:37
